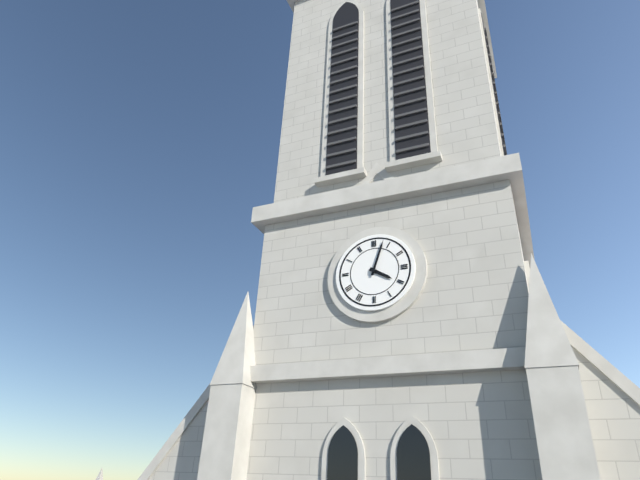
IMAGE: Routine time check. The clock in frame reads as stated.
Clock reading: 4:03
